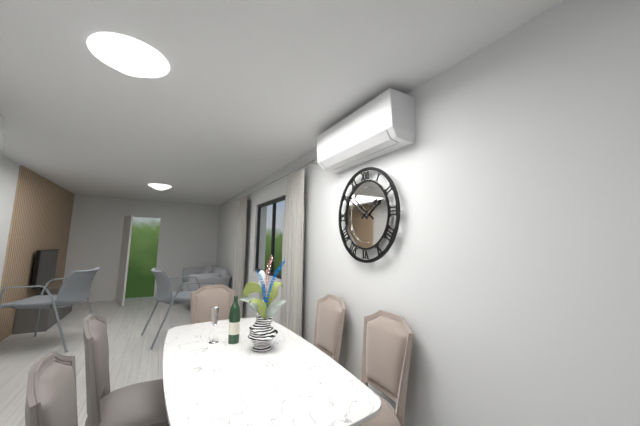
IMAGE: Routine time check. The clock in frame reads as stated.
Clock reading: 1:51
